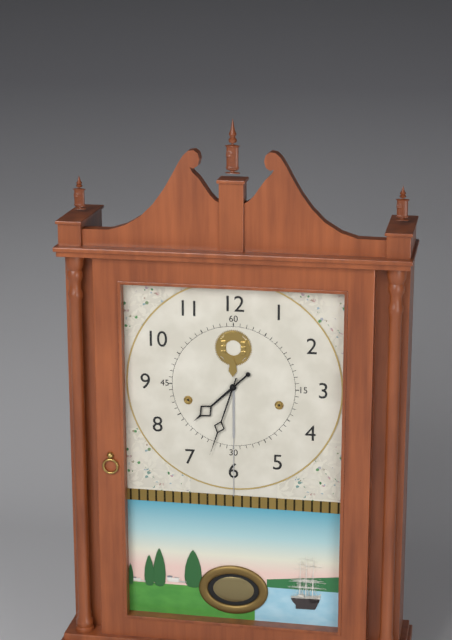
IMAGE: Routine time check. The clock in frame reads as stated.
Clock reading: 7:33
